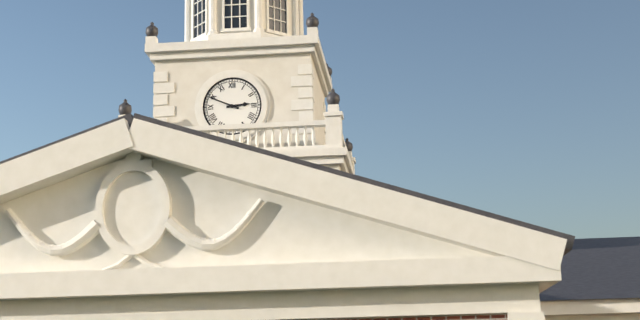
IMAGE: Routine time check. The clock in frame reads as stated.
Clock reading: 2:49
